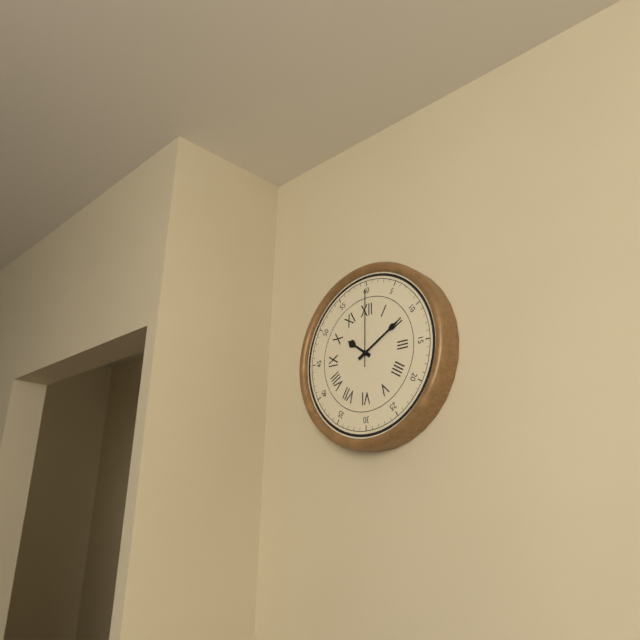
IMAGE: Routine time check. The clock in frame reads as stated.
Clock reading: 10:10:00
